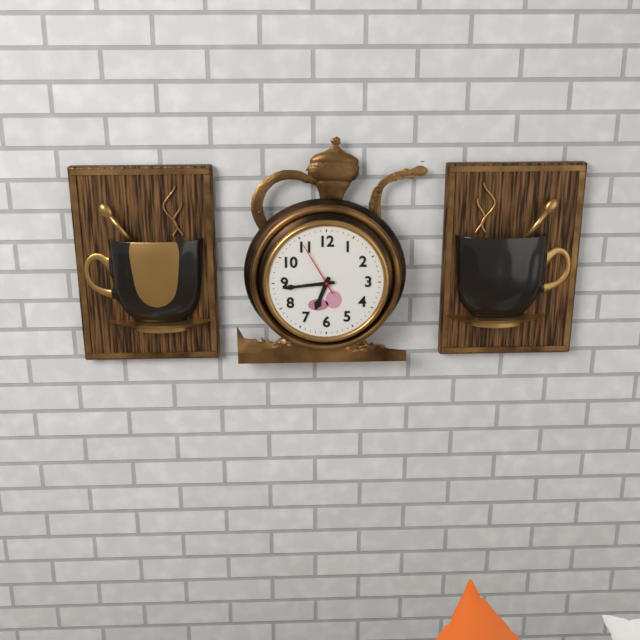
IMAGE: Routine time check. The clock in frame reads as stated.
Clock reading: 6:44:55
